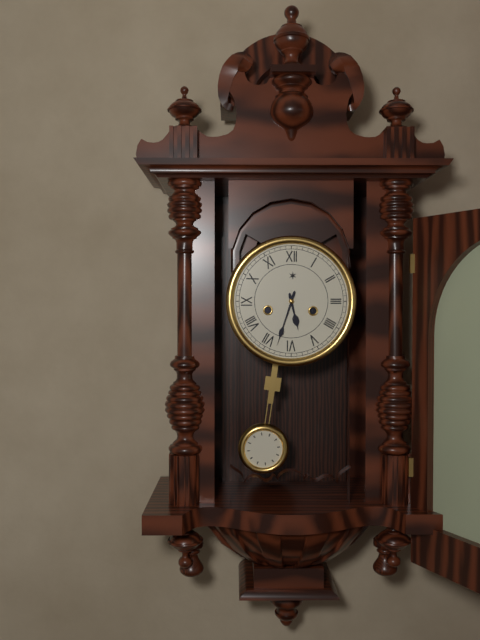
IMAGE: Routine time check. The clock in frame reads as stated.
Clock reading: 5:33
